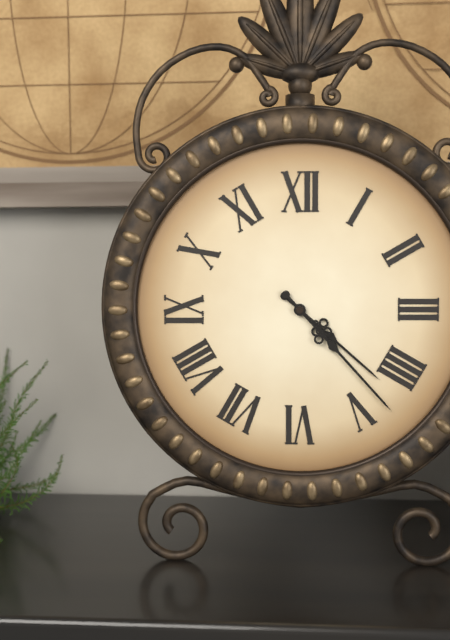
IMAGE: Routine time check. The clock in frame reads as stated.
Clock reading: 4:23
